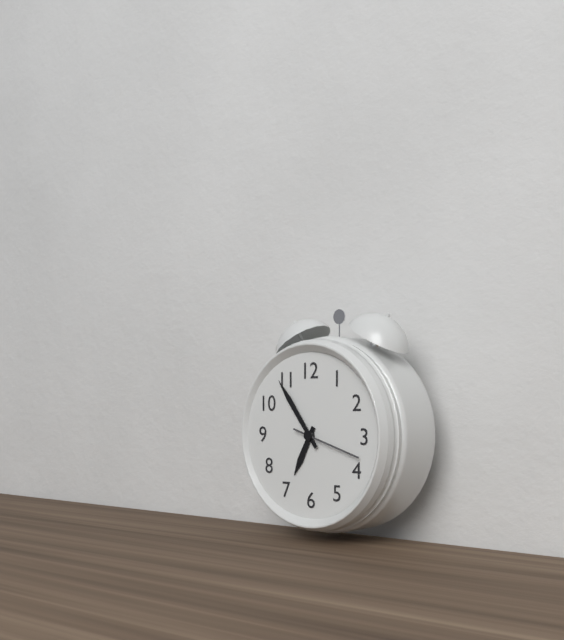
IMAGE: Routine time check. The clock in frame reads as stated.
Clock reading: 6:54:18
